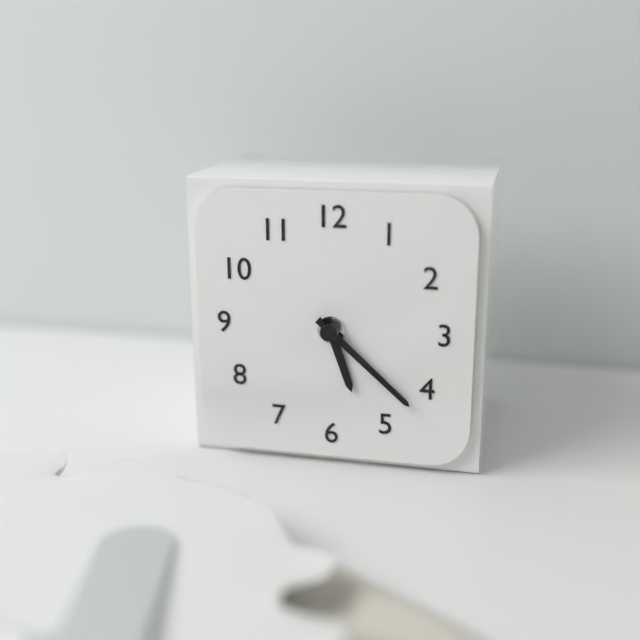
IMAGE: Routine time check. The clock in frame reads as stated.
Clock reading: 5:22
